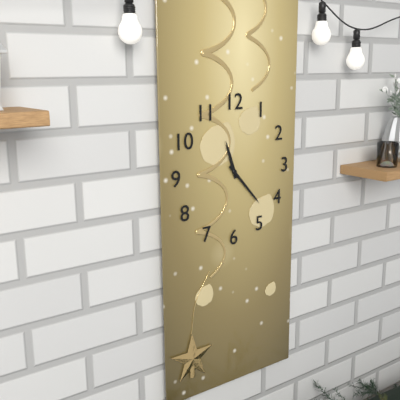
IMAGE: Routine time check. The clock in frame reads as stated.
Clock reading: 11:23
